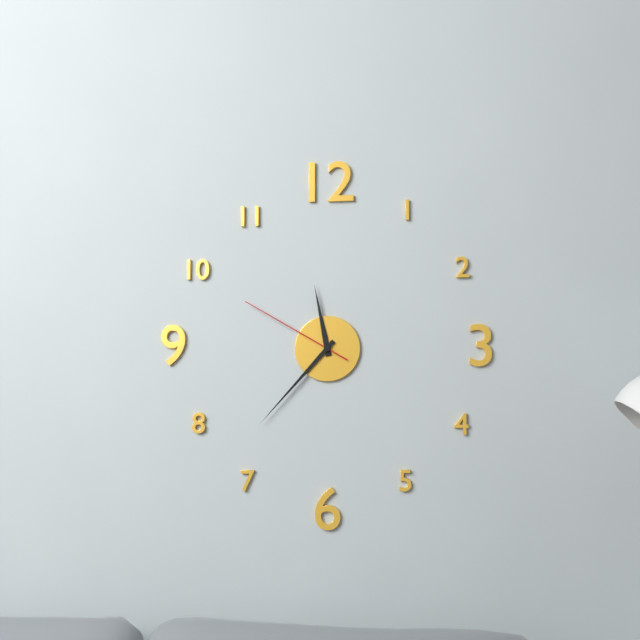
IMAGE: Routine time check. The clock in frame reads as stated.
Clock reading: 11:37:50
